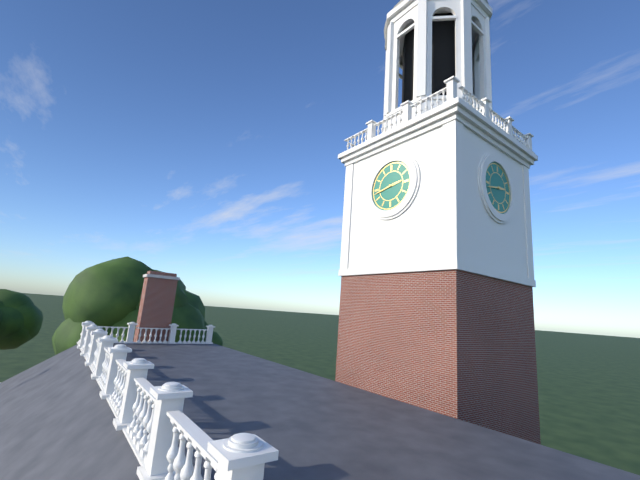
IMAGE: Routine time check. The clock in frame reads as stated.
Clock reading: 2:43
